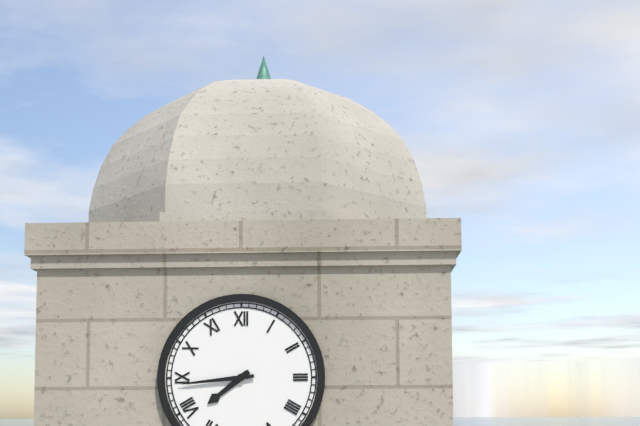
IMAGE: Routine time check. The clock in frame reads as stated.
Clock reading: 7:44
